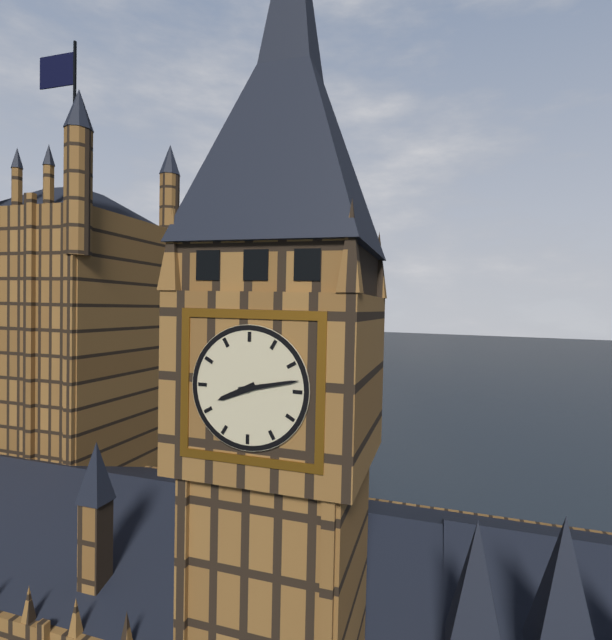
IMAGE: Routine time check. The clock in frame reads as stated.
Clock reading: 8:13
